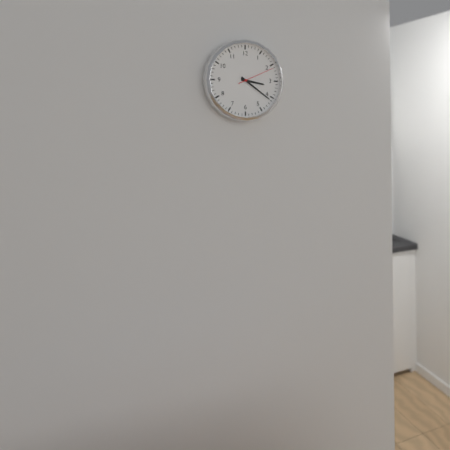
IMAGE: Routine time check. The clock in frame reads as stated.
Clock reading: 3:21
